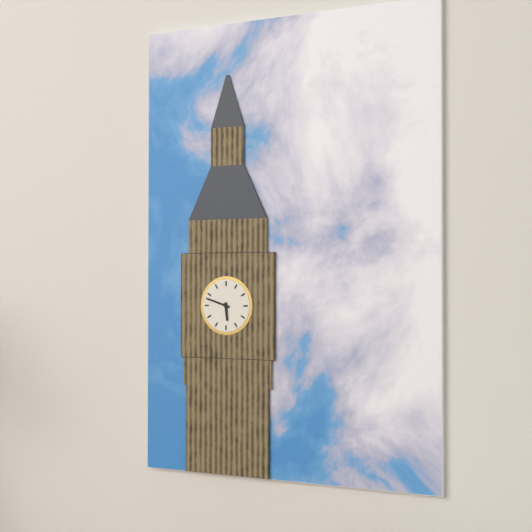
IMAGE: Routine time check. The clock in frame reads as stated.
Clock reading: 5:48
